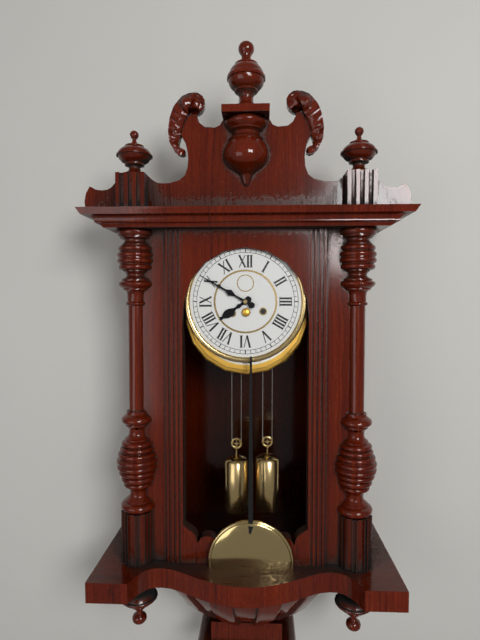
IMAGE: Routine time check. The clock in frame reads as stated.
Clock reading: 7:50
